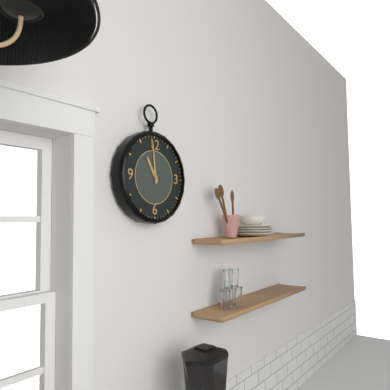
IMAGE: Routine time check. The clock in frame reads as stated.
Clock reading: 10:59
